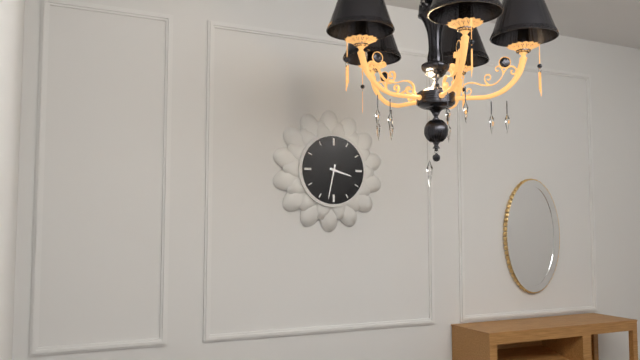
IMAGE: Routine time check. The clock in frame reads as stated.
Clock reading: 3:32
